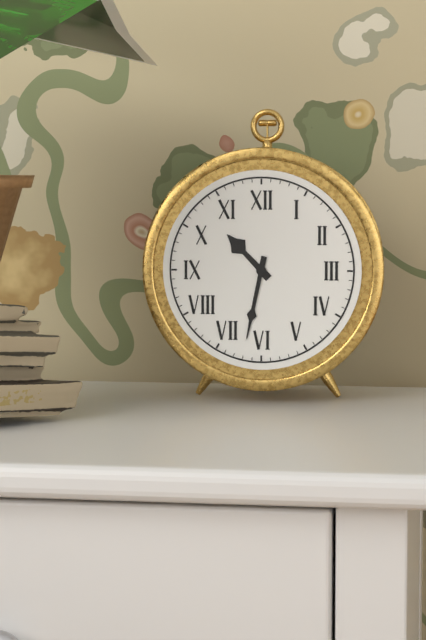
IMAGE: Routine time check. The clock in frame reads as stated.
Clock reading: 10:32
